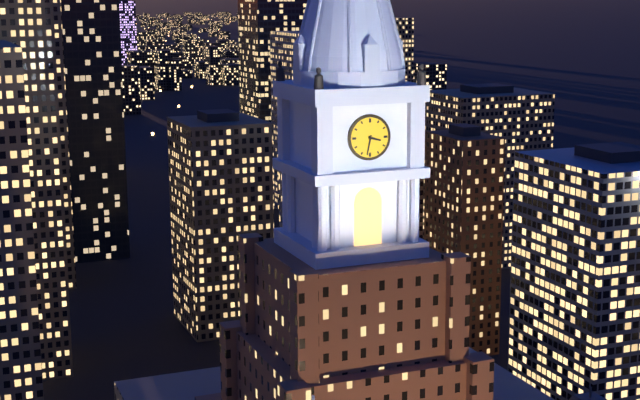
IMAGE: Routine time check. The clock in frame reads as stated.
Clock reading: 3:32
